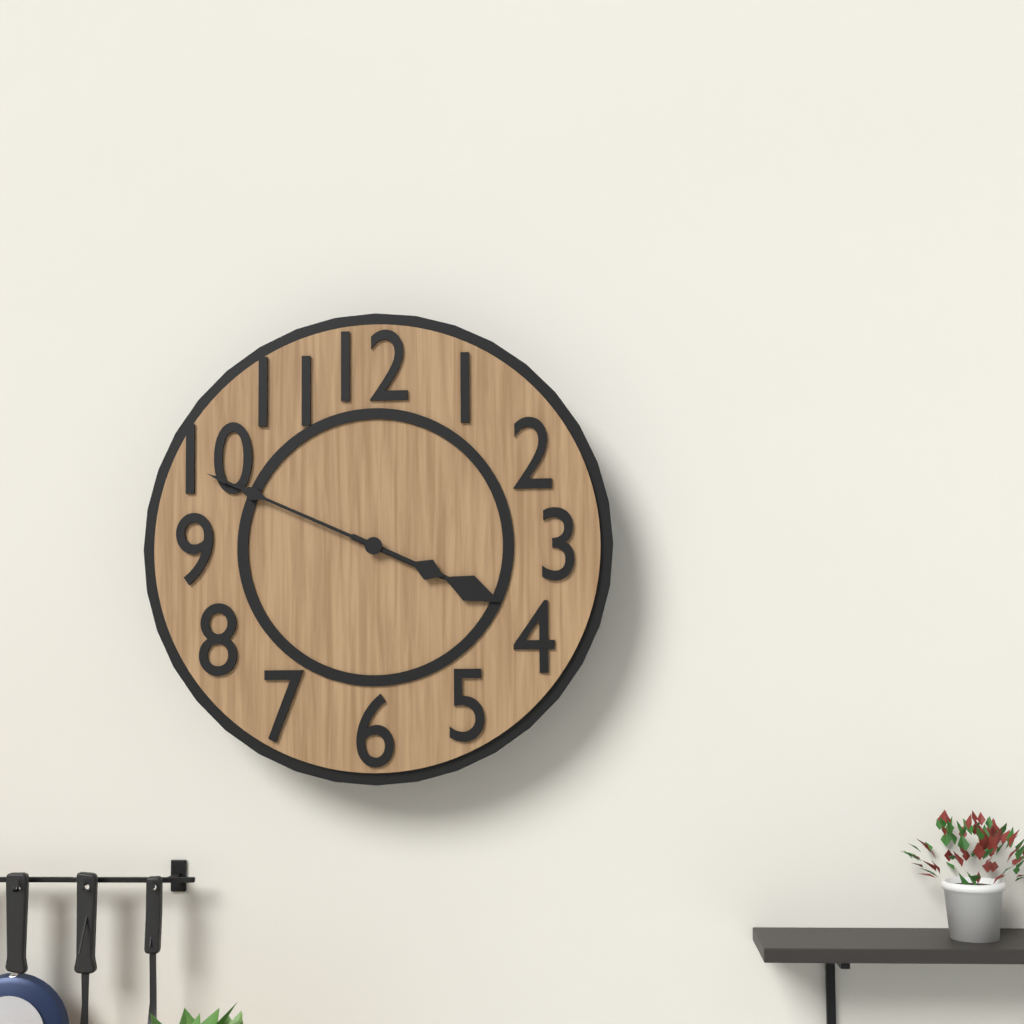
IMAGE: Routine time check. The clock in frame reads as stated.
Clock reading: 3:49
